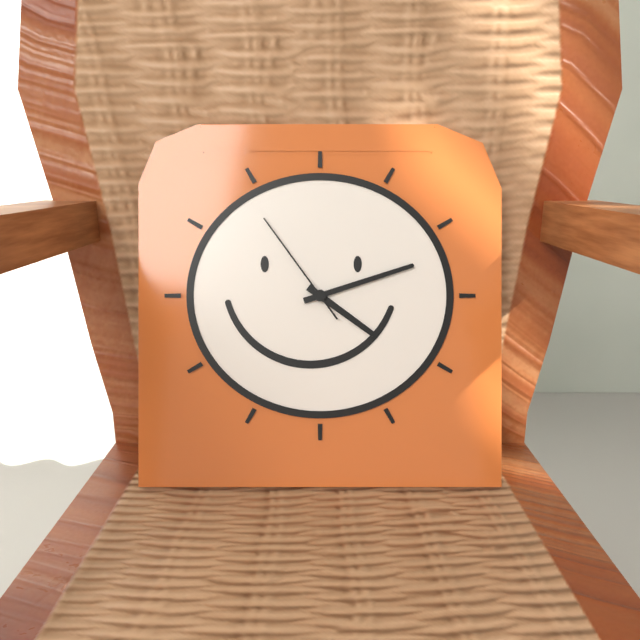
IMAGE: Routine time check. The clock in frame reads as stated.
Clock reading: 4:12:54
